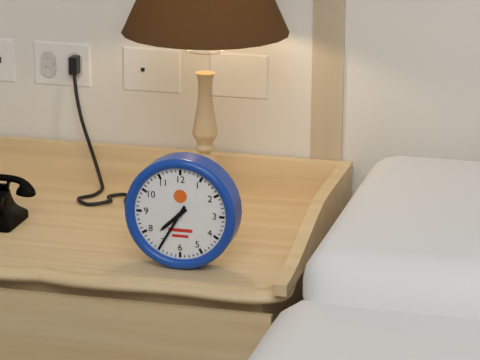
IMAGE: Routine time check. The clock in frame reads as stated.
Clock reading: 7:35
